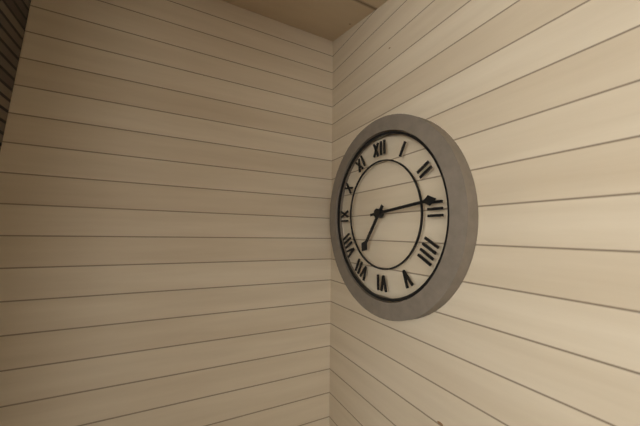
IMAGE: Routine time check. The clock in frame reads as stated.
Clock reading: 7:14
